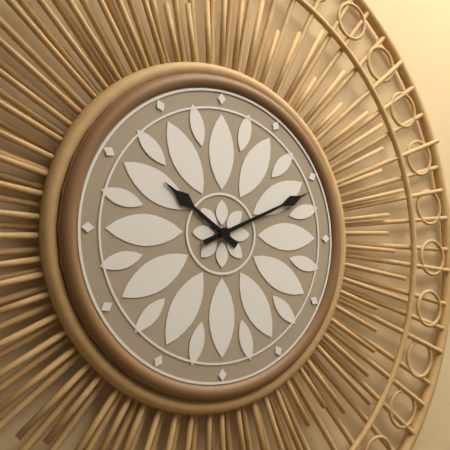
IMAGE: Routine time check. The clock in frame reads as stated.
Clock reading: 10:11
